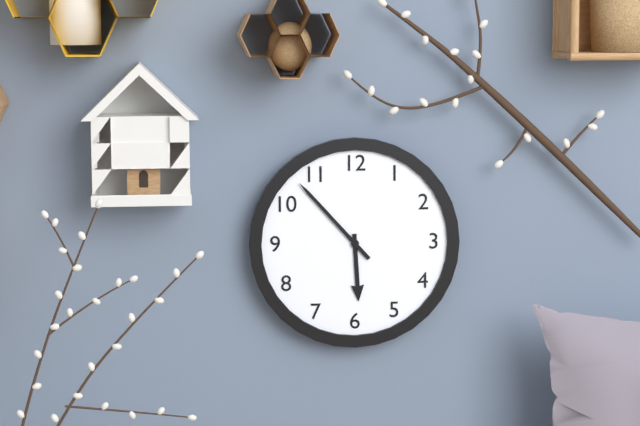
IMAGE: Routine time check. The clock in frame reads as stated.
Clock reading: 5:53
